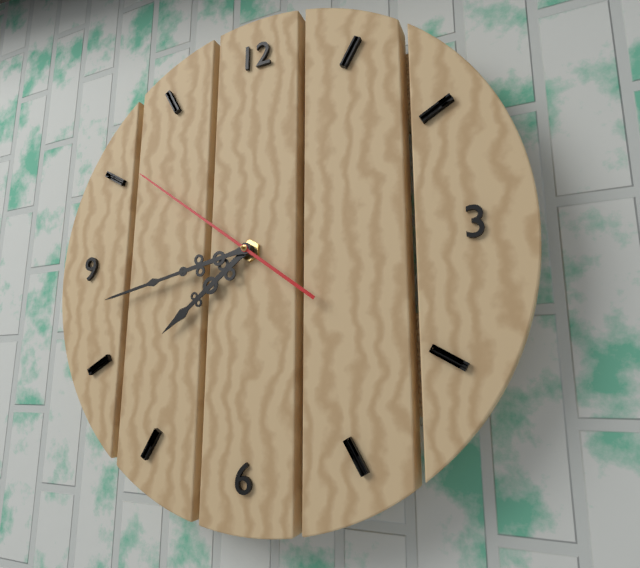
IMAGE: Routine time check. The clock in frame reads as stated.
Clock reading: 7:43:51
